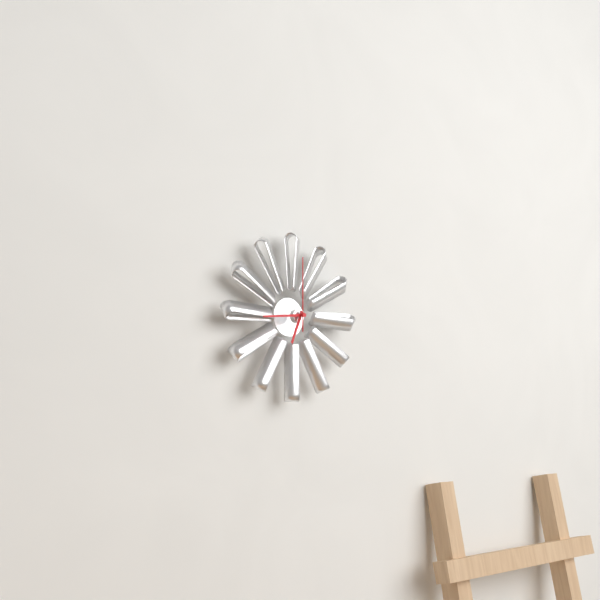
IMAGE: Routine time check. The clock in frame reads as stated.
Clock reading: 6:44:00
